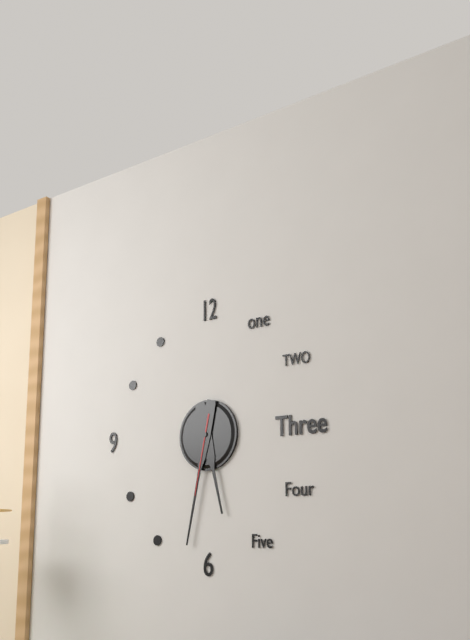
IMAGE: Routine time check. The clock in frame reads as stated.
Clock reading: 5:32:32
